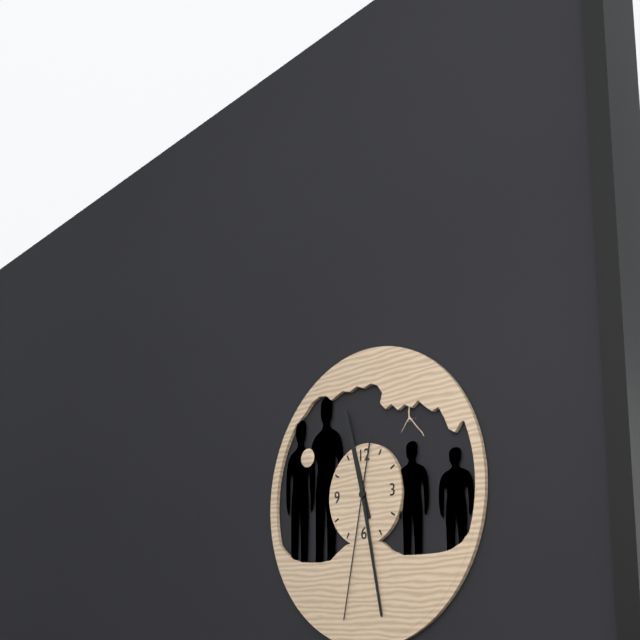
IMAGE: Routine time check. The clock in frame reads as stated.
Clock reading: 11:28:32
